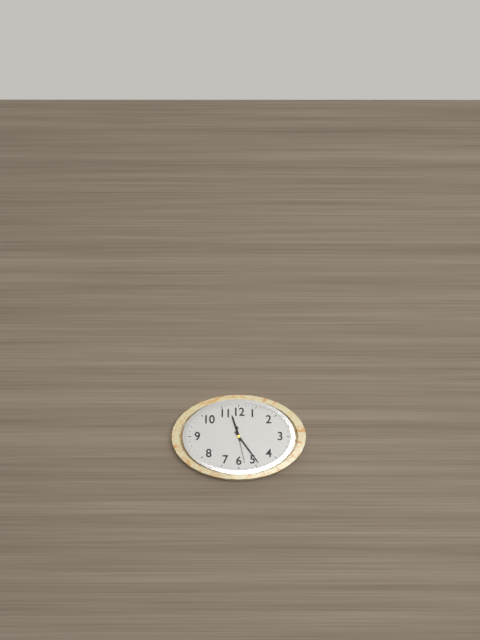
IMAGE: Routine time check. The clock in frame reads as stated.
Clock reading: 11:24
